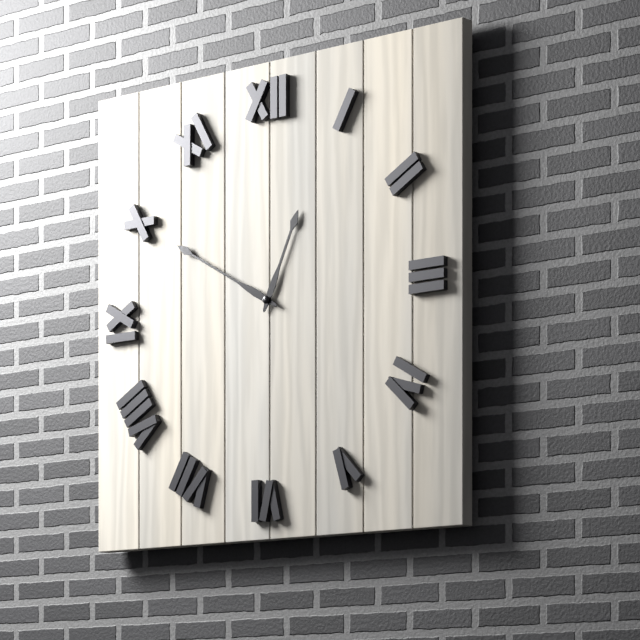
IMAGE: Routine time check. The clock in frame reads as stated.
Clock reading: 12:50
